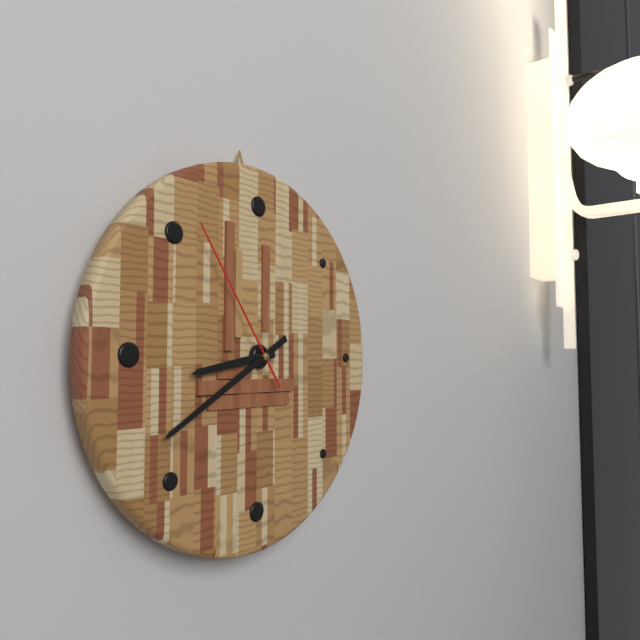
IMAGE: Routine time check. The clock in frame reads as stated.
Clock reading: 8:40:54
